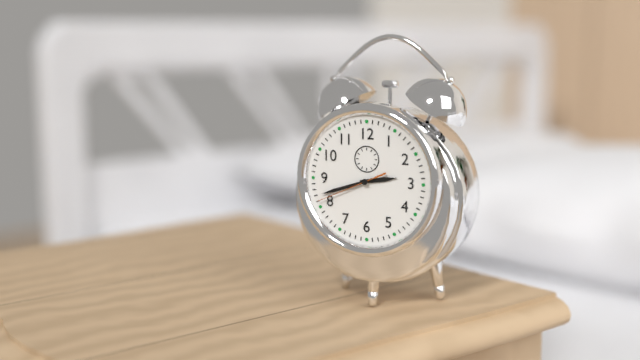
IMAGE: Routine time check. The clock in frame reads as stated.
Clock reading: 2:42:41
